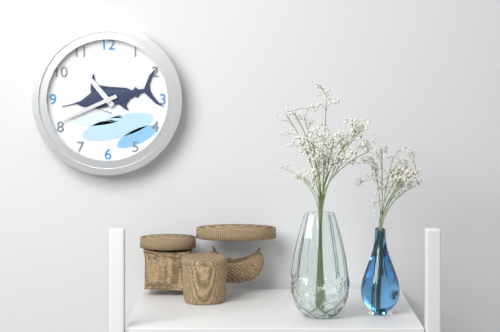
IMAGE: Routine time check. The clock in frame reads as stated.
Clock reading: 10:41
